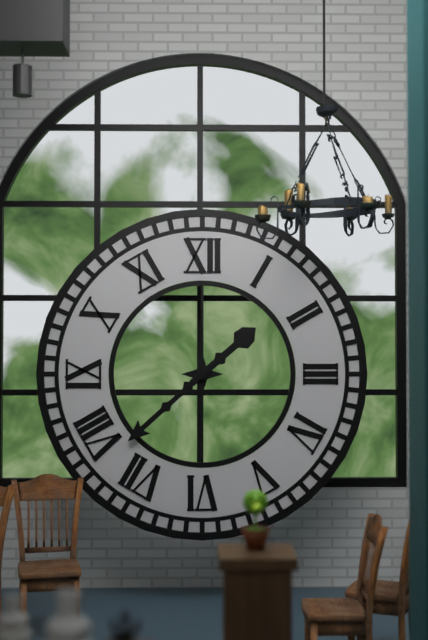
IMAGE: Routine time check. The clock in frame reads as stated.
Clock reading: 1:38
